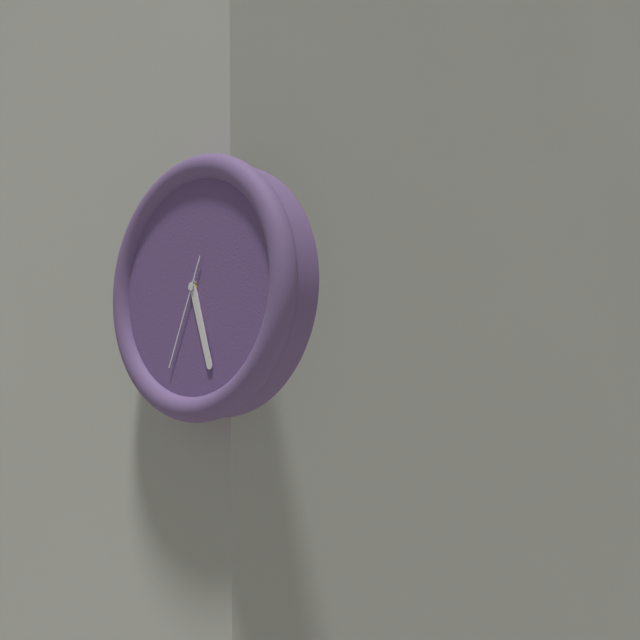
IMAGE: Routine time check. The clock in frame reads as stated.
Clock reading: 5:27:34
